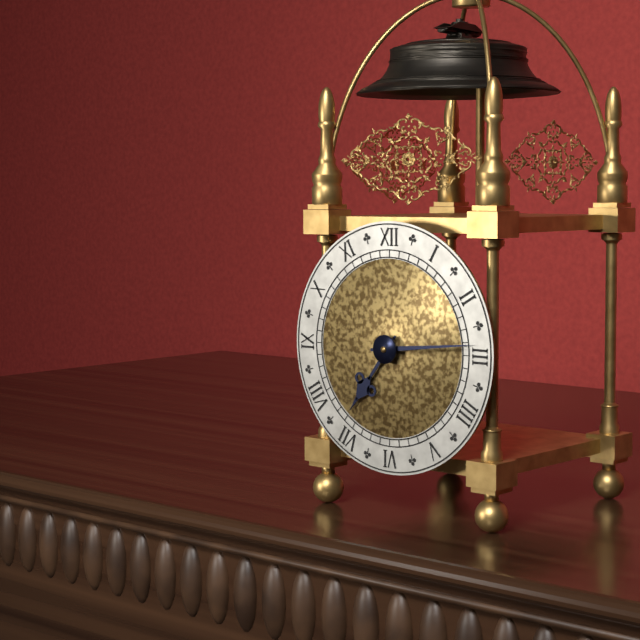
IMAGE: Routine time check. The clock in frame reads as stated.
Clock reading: 7:14
